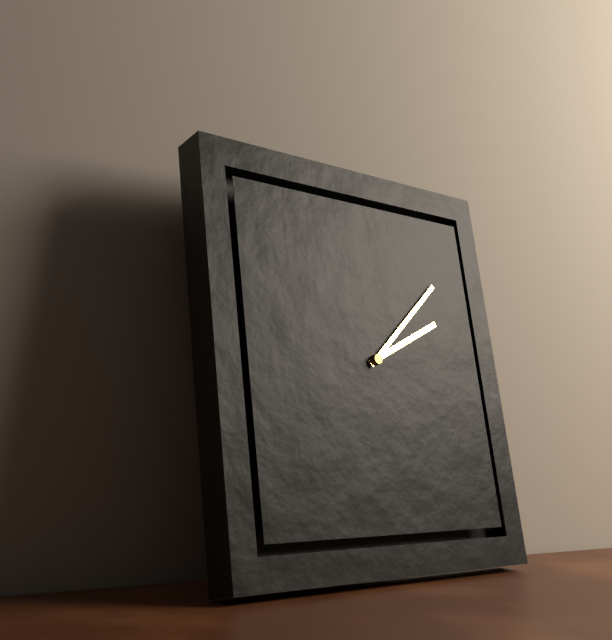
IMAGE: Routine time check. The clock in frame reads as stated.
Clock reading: 2:08
